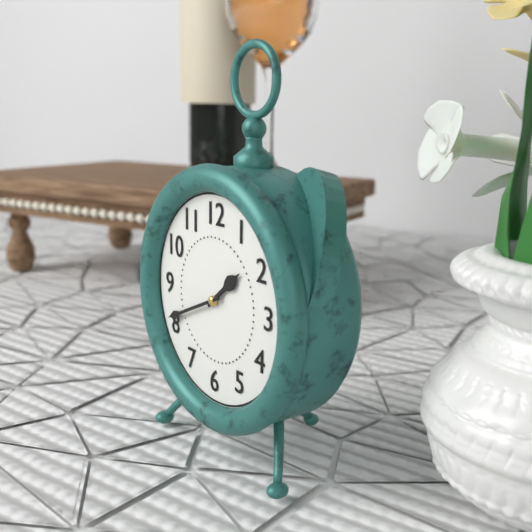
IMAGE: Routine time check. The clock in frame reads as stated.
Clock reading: 1:41
